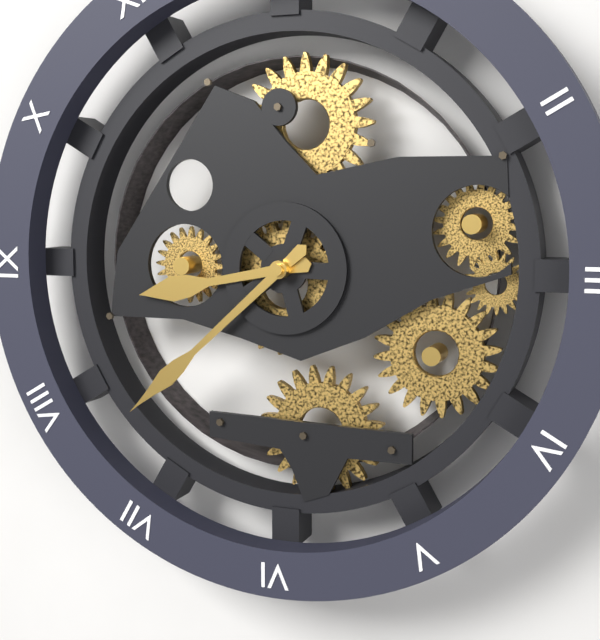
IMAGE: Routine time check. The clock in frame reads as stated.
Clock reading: 8:38
